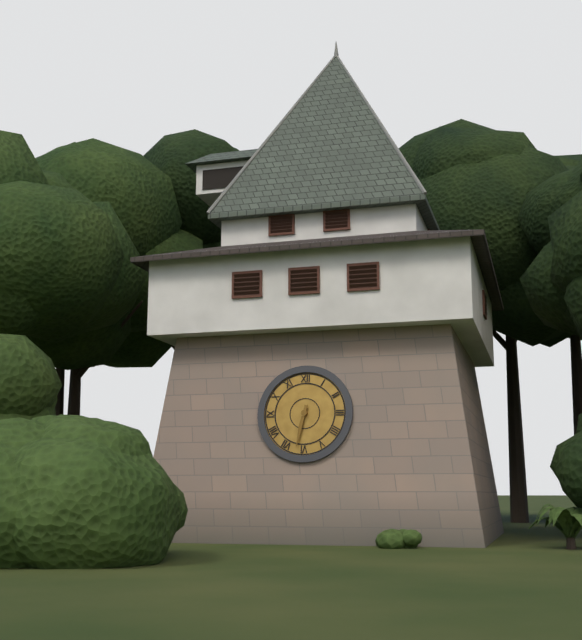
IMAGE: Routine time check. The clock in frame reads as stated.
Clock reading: 6:32
